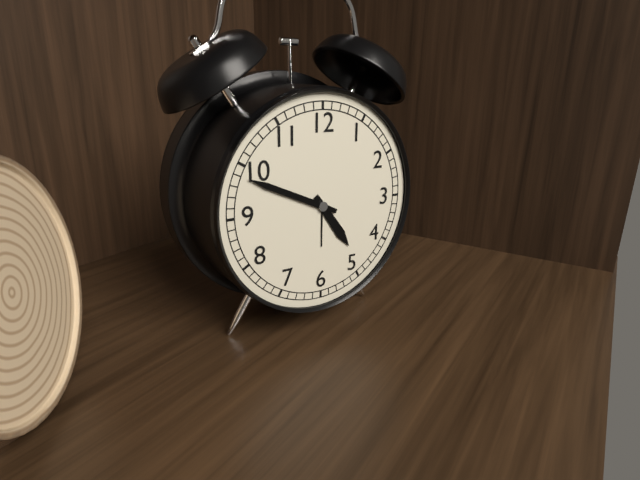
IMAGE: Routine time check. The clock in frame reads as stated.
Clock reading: 4:49
